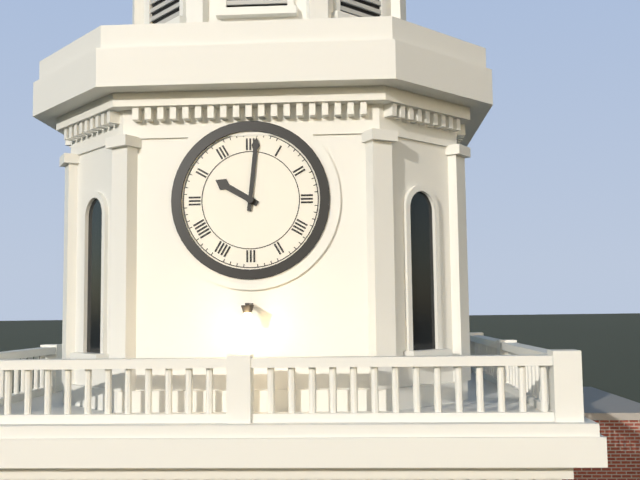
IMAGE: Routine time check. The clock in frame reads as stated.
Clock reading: 10:01
